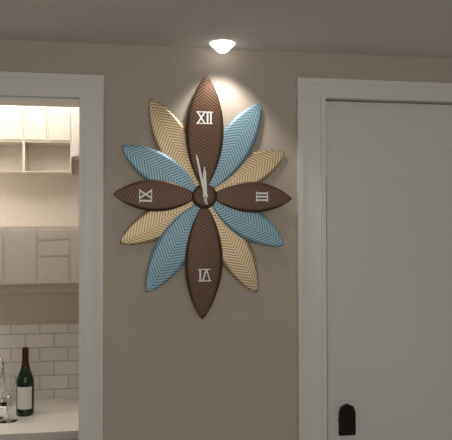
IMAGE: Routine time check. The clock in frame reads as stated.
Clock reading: 11:58
